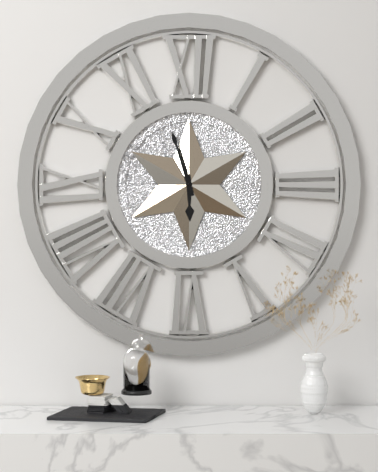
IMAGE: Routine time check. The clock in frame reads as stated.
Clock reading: 5:57
